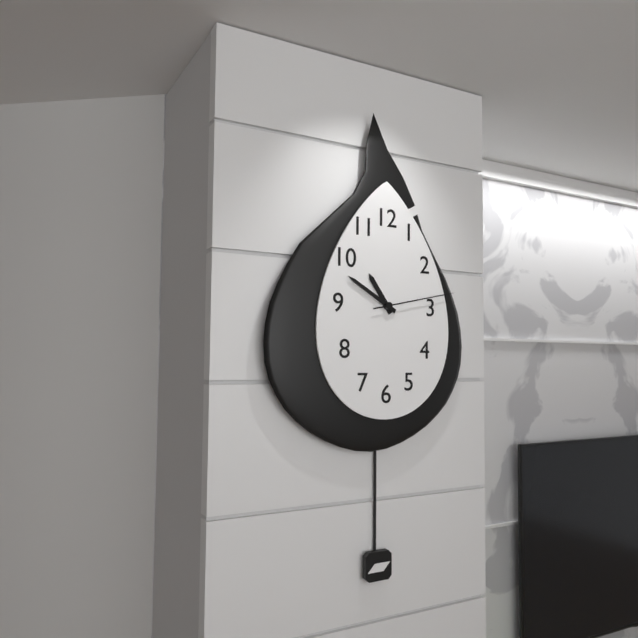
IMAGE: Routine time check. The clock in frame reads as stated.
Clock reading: 10:50:13
